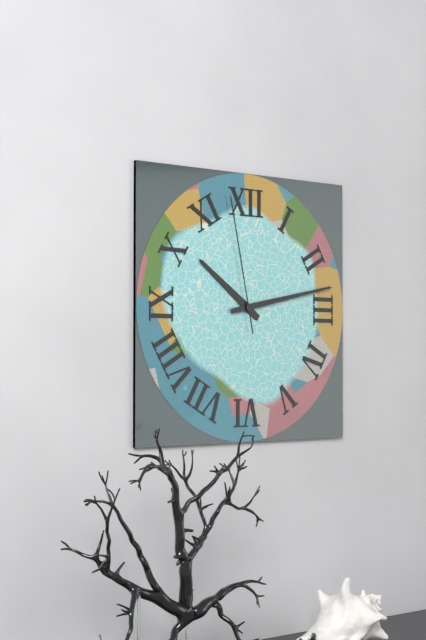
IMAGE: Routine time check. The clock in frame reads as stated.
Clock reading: 10:13:58
